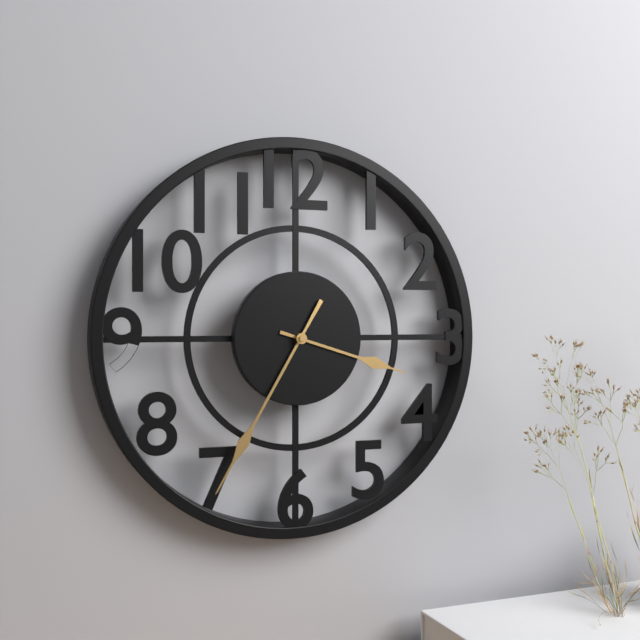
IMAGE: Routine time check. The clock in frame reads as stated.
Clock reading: 3:35
